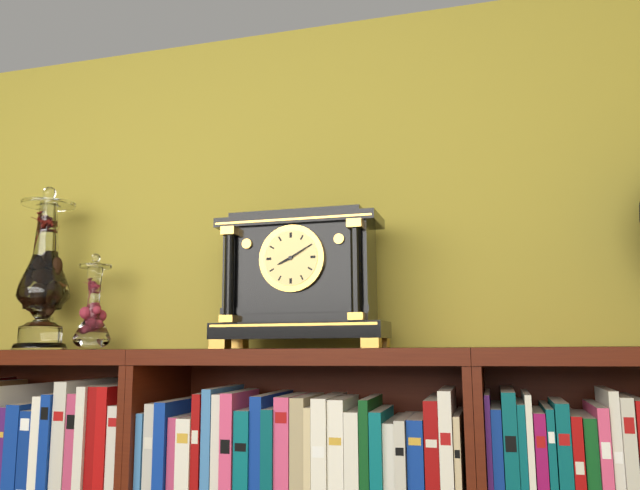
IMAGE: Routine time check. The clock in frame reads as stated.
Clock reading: 8:10
